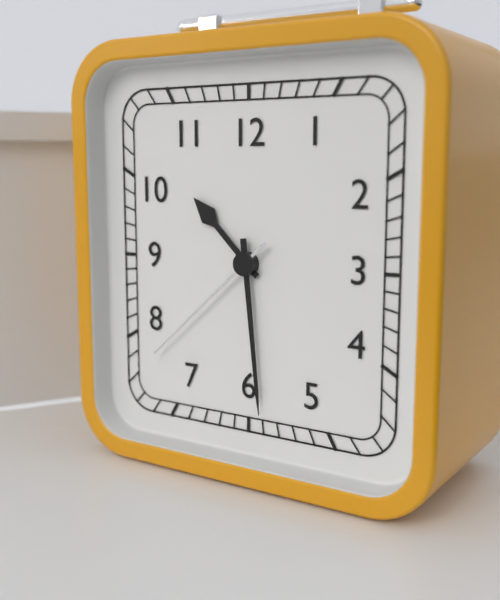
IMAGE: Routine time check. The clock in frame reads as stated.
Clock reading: 10:29:38
